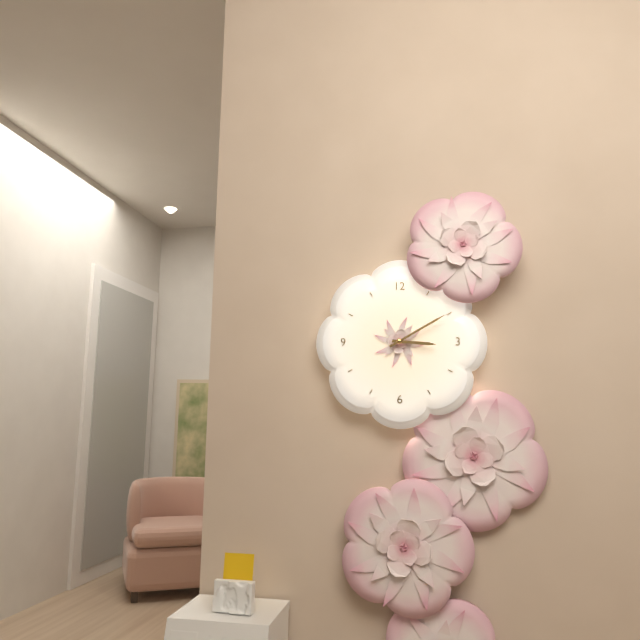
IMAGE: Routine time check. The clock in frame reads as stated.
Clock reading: 3:10
